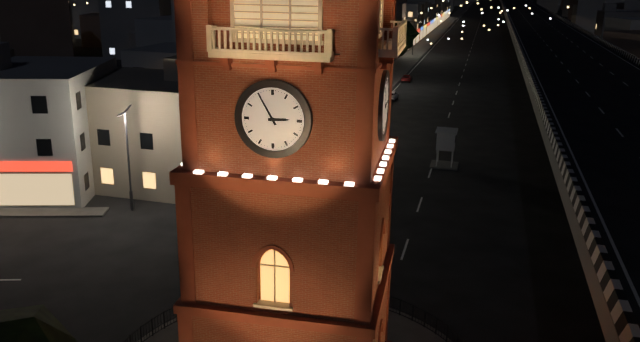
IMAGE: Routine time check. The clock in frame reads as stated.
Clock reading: 2:55
